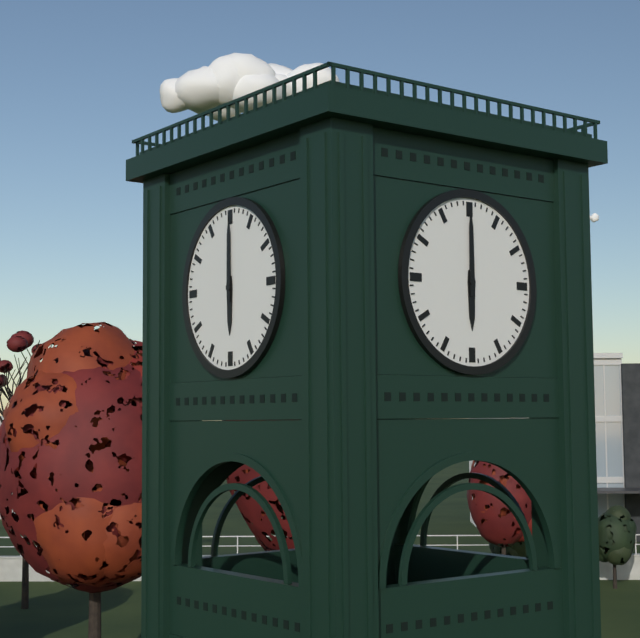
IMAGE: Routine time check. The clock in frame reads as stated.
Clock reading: 6:00
